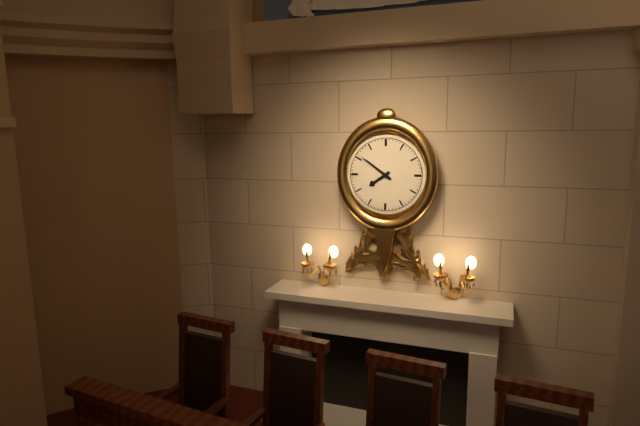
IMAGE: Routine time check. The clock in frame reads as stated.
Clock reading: 7:51
